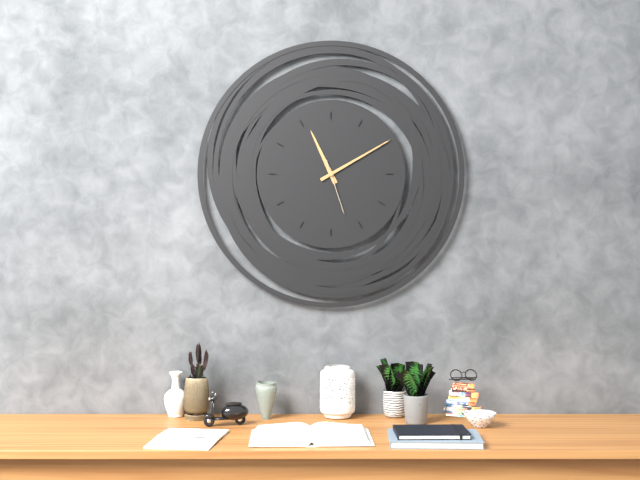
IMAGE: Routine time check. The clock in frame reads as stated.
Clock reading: 11:10:27
